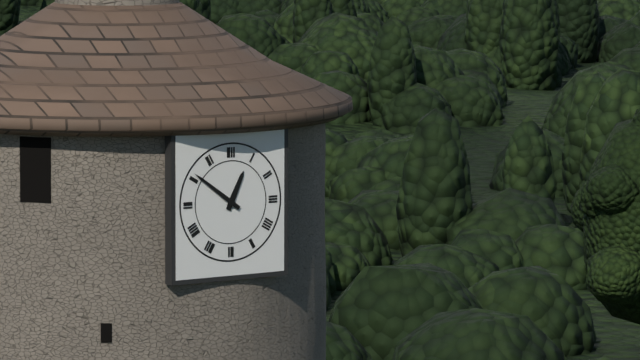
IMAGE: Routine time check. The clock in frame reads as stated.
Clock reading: 12:51
